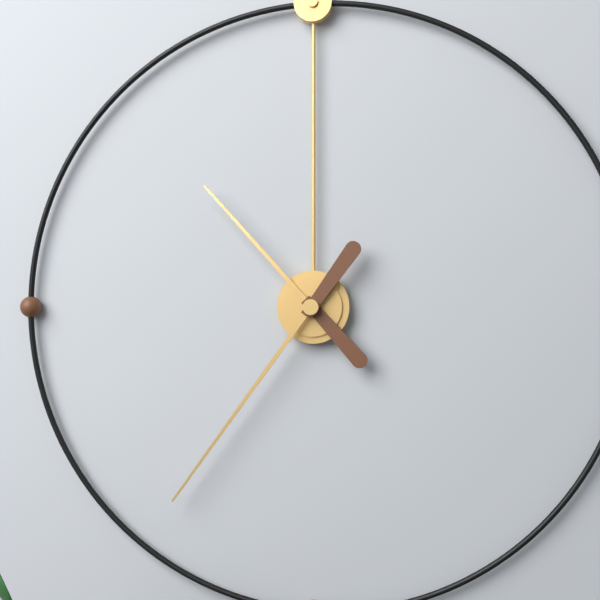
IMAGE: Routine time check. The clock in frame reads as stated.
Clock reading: 10:36
